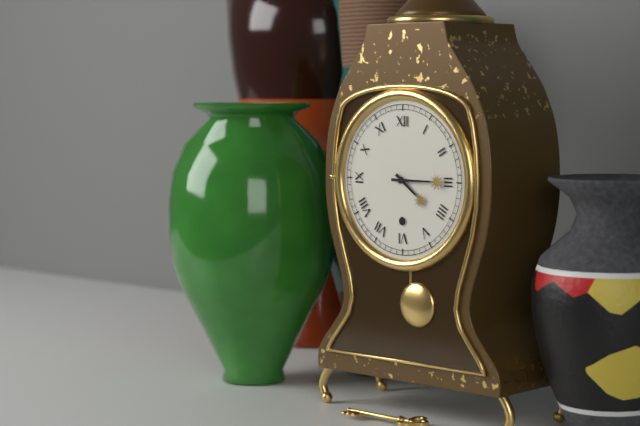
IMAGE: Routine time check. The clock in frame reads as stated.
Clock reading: 4:15
